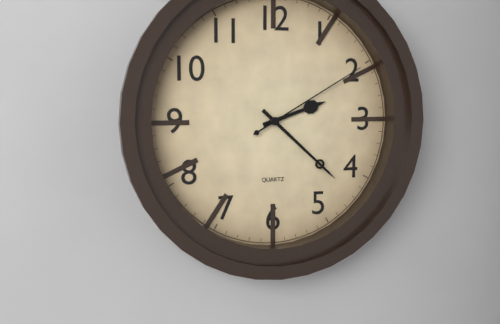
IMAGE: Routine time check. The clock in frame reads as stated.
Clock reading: 2:22:10
